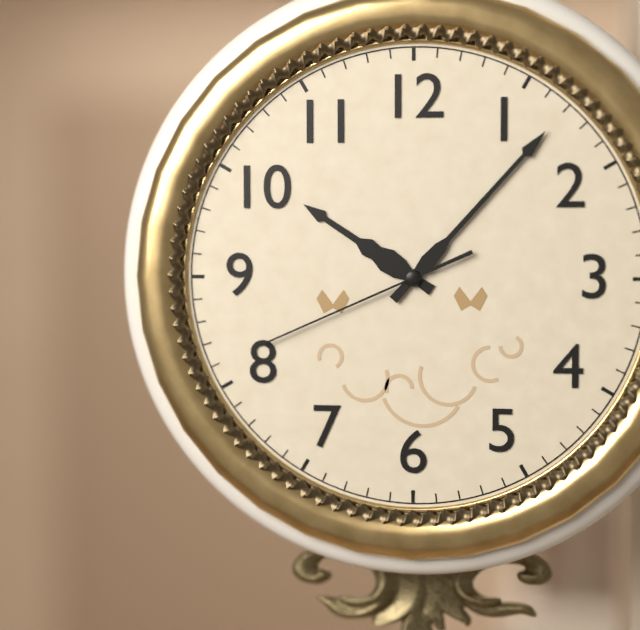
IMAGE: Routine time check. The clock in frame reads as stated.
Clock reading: 10:07:41
